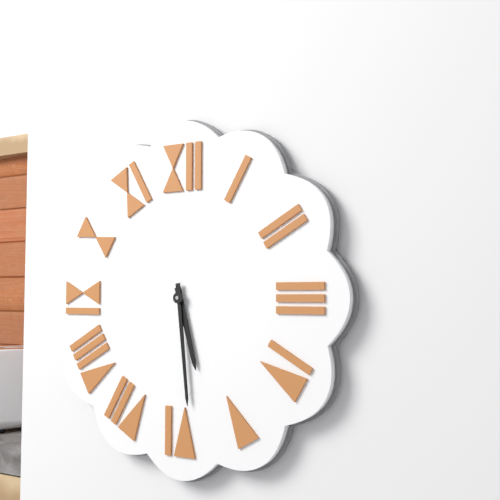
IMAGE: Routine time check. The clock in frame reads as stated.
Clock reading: 5:29
